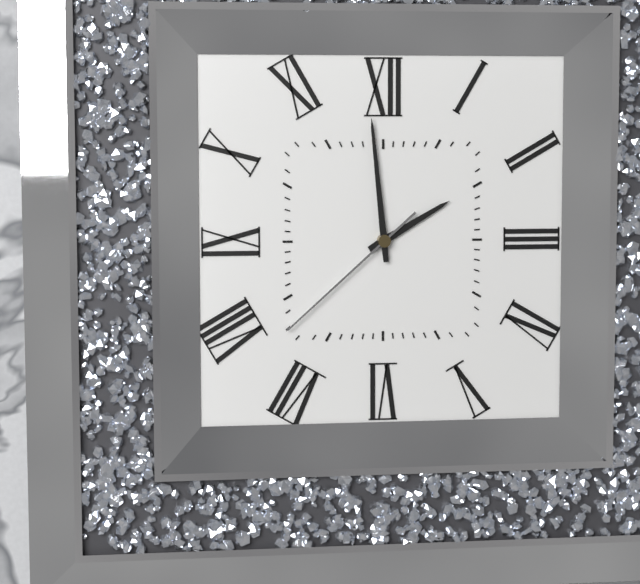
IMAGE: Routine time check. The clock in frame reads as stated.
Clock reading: 1:59:38
